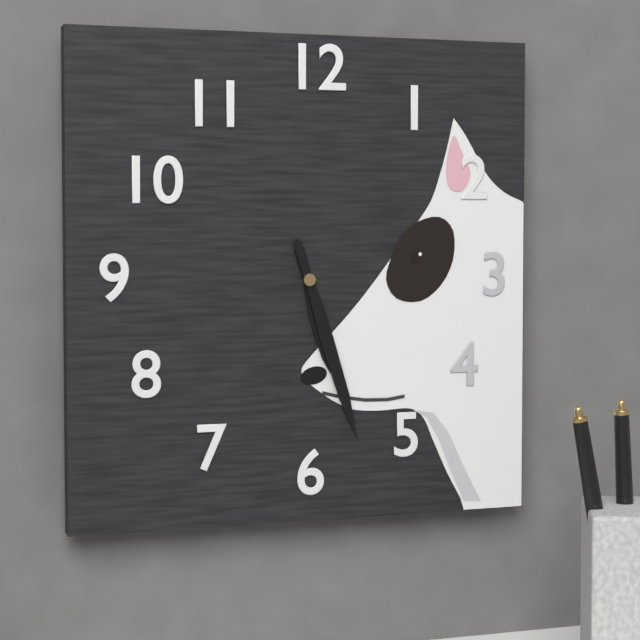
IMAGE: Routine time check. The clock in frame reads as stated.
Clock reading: 5:27
